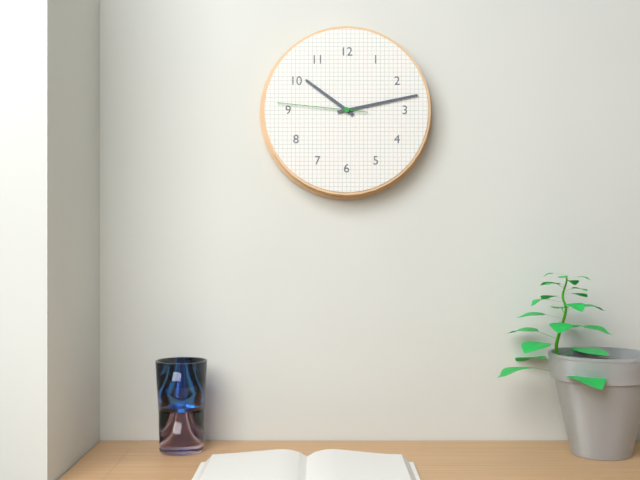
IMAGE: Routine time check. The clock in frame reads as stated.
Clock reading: 10:13:46
